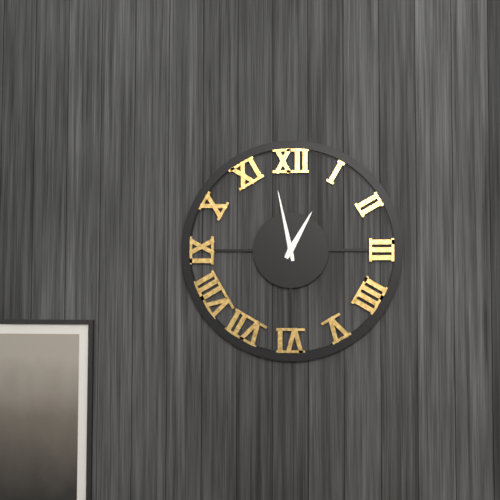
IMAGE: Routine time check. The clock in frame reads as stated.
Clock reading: 12:58
